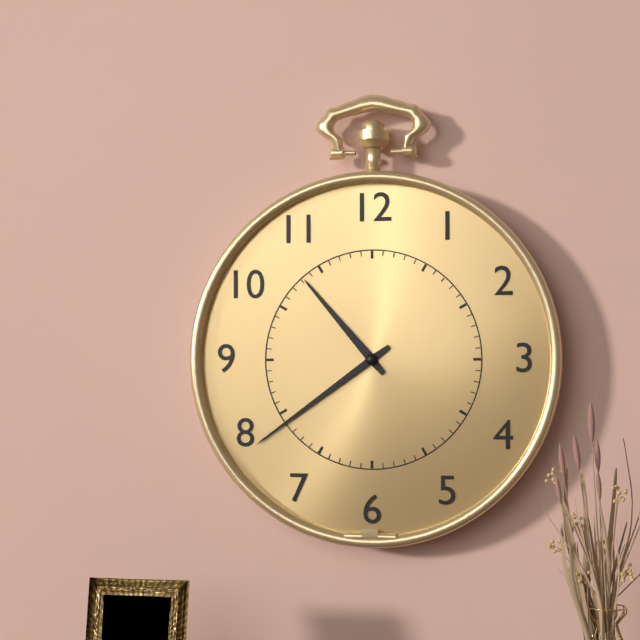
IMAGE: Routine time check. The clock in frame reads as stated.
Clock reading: 10:39
